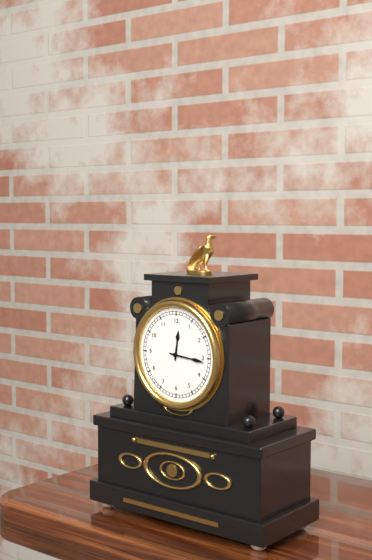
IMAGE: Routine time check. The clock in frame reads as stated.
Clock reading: 12:16
